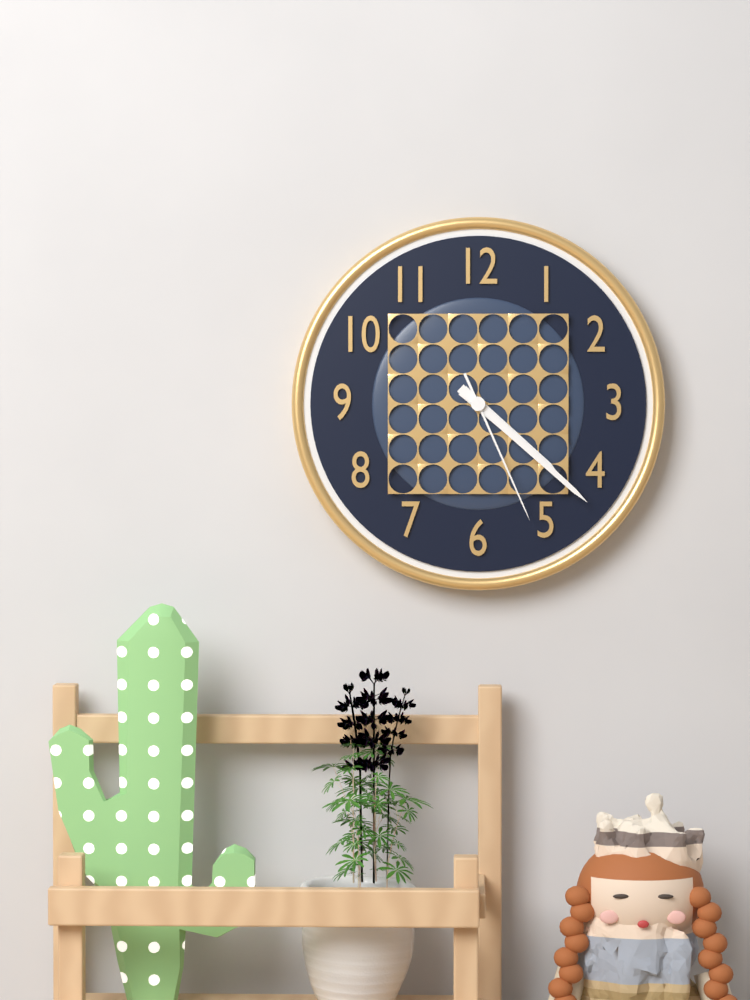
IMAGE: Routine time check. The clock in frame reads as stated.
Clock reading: 4:22:26
